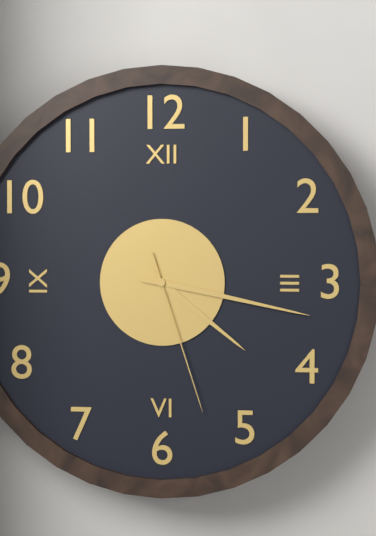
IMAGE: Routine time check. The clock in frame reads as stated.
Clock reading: 4:17:27
